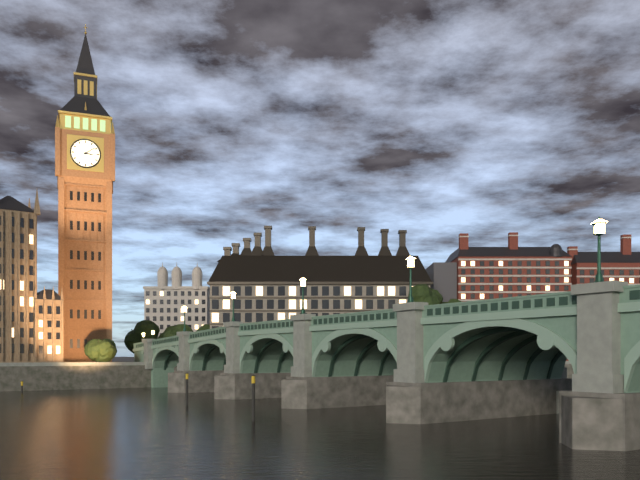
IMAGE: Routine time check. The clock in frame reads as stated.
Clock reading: 3:09
